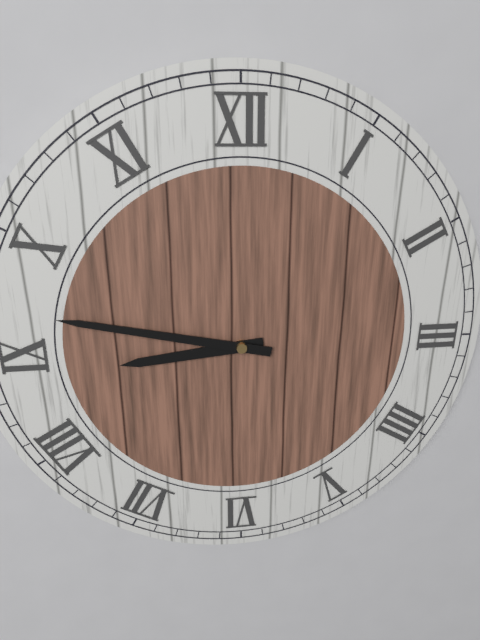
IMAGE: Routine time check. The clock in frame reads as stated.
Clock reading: 8:47
